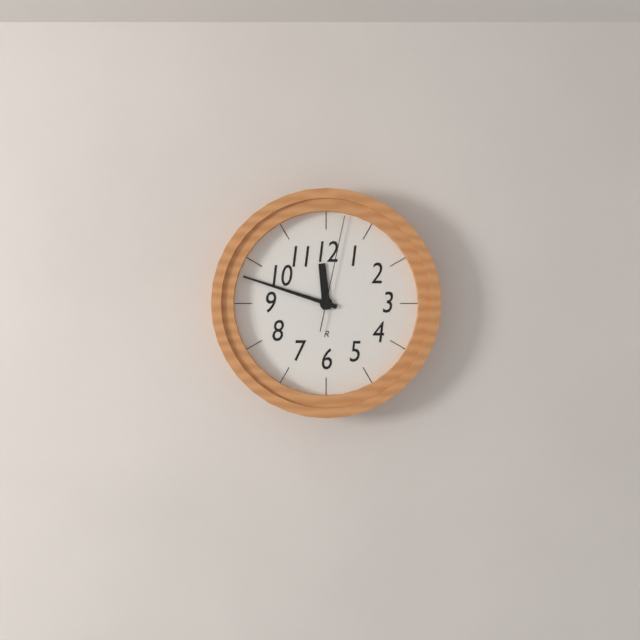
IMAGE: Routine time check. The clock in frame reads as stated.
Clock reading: 11:48:02
